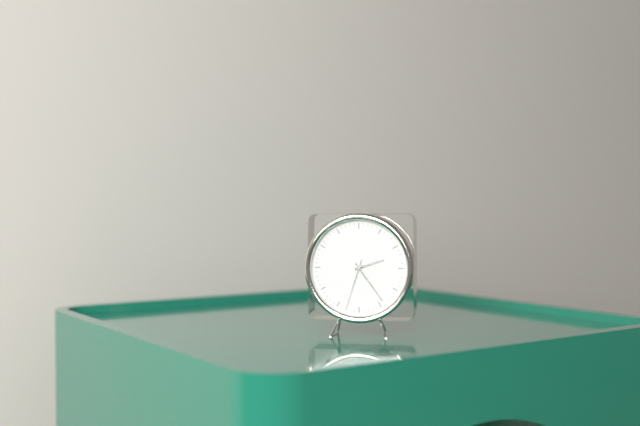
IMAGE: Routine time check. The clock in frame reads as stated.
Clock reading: 2:24:33
